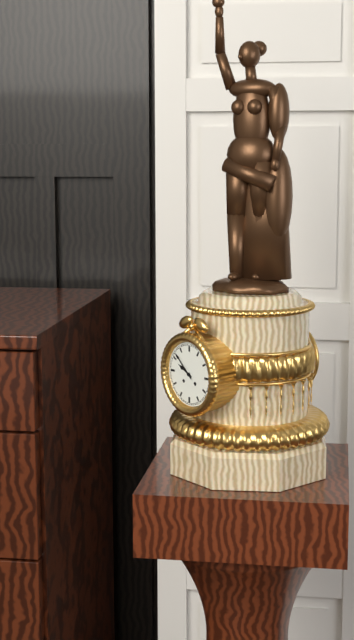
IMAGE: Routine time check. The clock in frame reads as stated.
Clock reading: 9:52
